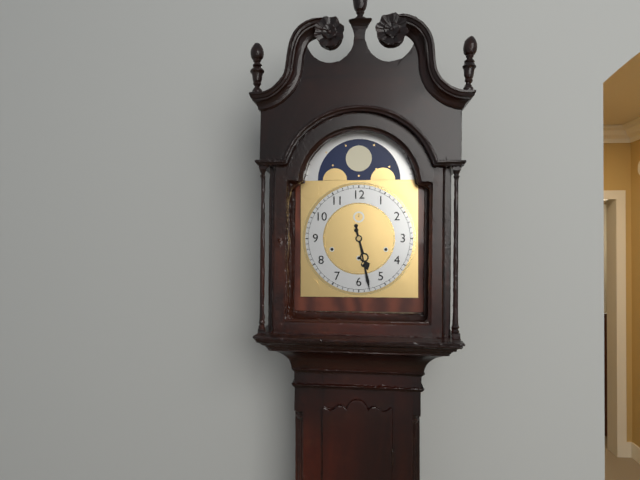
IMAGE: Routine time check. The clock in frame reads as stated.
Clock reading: 5:28
